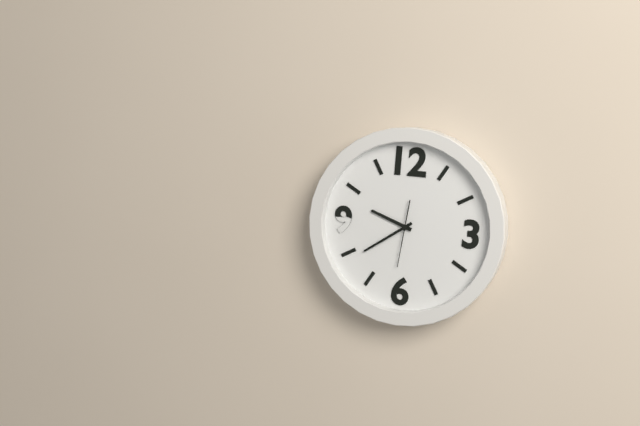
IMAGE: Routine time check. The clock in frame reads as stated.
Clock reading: 9:39:31
